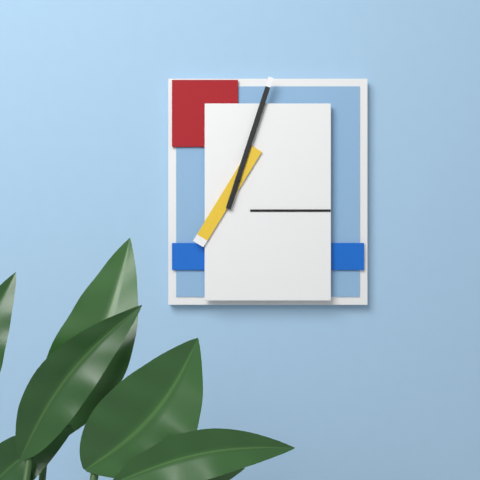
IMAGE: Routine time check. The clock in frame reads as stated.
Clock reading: 7:03
